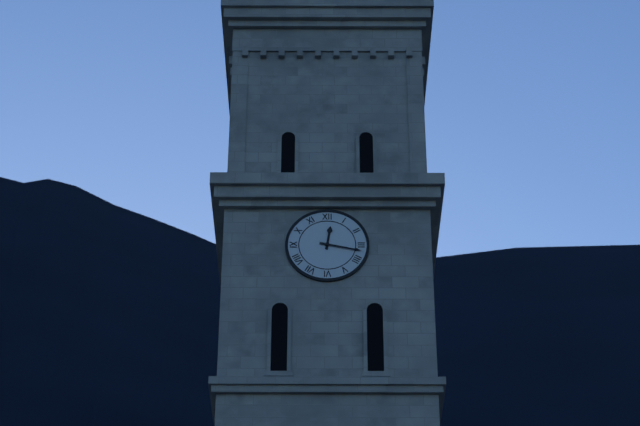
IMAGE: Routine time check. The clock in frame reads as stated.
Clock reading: 12:17
